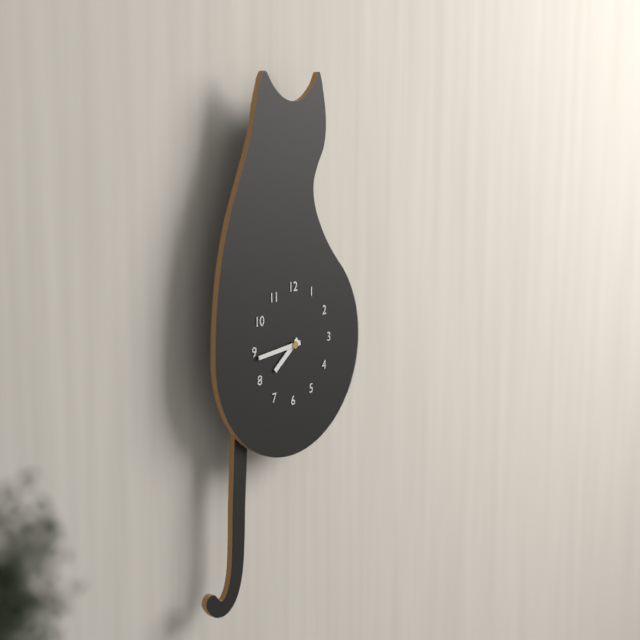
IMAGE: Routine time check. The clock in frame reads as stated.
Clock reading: 7:44
